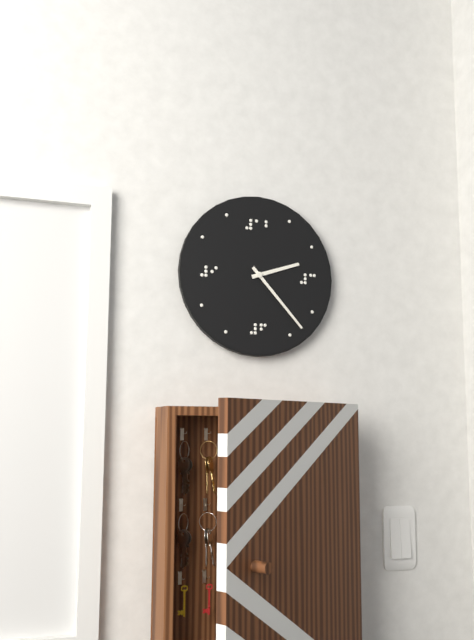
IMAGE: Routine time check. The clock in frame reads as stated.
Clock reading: 2:23
